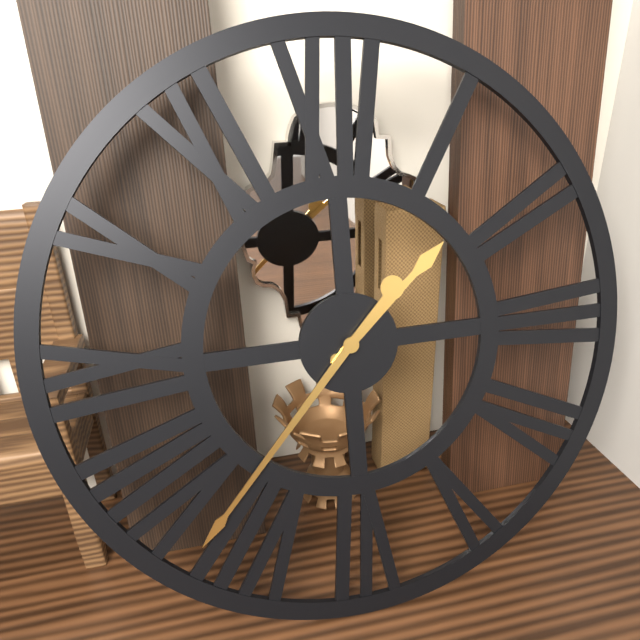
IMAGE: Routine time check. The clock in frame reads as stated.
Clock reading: 1:37
